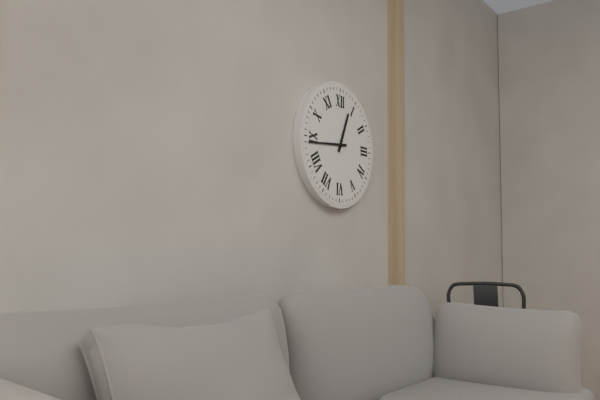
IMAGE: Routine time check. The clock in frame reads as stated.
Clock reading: 12:44
